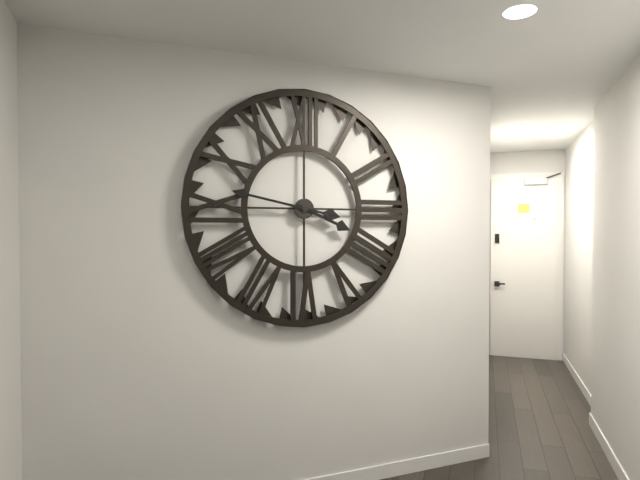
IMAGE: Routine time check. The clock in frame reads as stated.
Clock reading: 3:47
